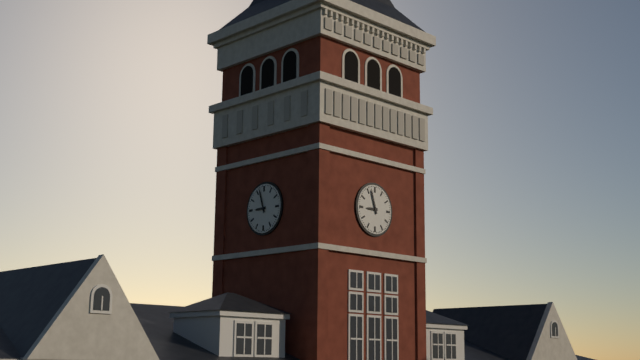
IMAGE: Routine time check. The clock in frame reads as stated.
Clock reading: 8:57
